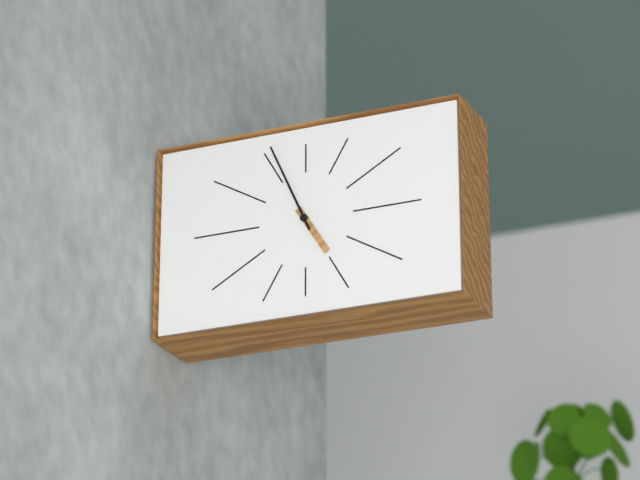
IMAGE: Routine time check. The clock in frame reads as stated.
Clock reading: 4:56
